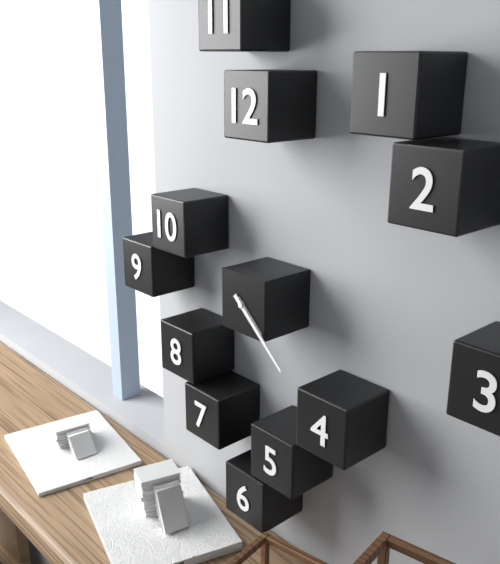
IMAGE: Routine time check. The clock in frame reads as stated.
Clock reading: 4:22
